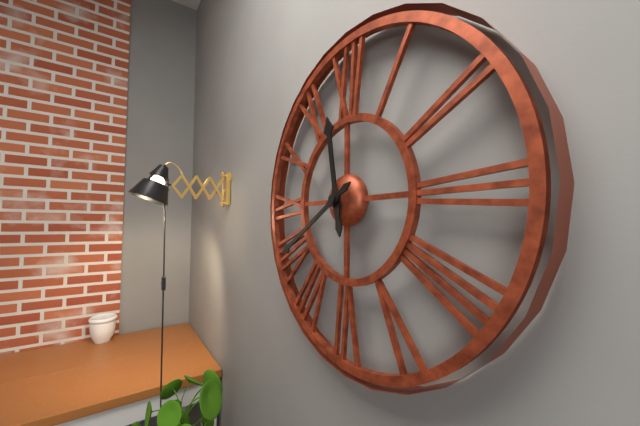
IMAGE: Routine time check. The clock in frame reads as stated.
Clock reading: 11:40
